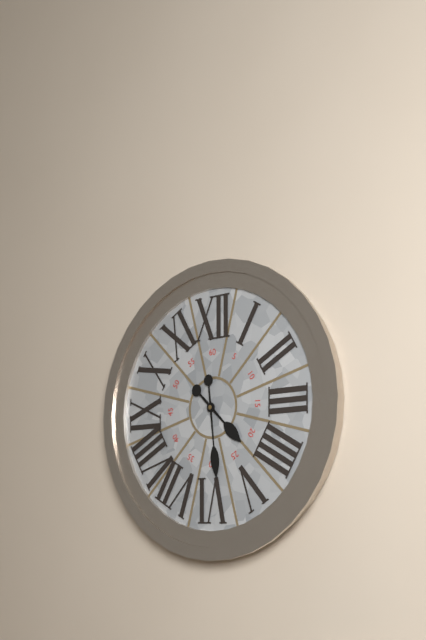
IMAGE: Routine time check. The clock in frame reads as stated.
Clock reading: 4:29
